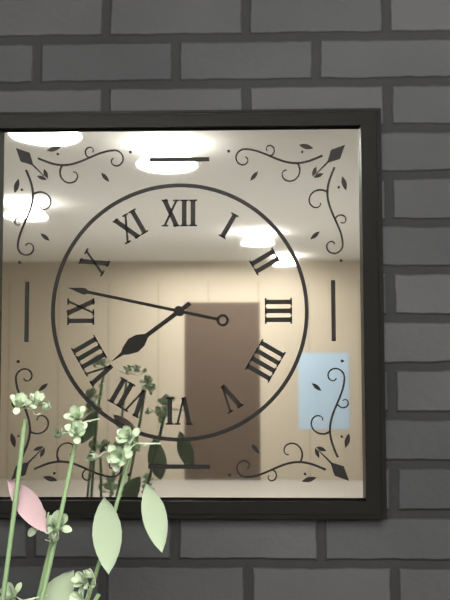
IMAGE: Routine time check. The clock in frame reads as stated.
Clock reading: 7:47
